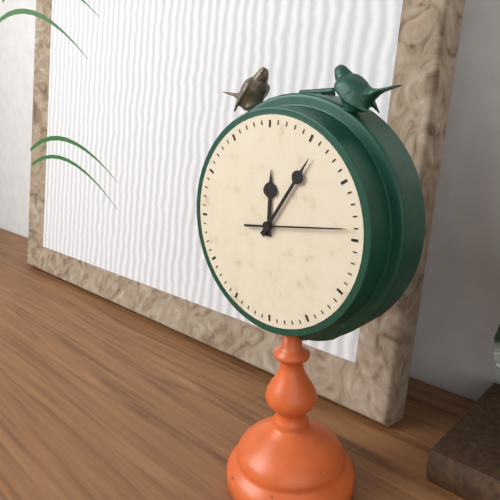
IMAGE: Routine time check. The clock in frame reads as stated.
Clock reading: 12:06:14
